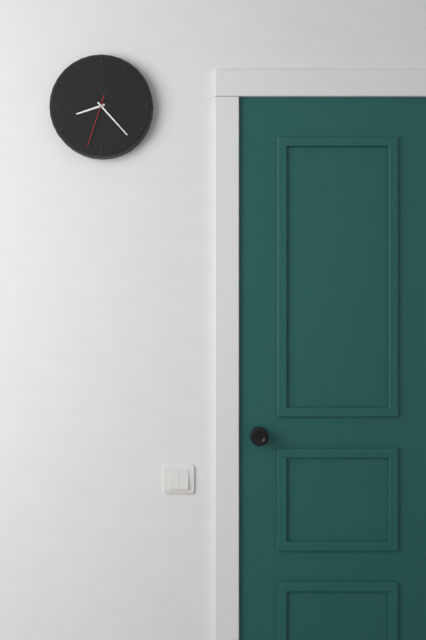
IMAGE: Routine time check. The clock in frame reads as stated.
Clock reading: 8:23:33
